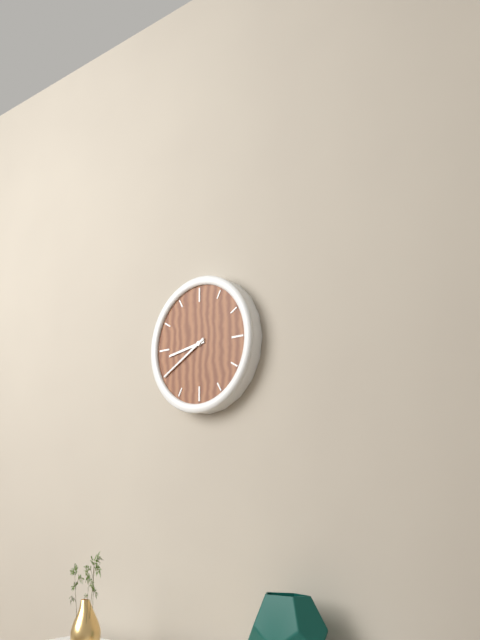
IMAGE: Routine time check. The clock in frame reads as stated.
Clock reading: 8:40
